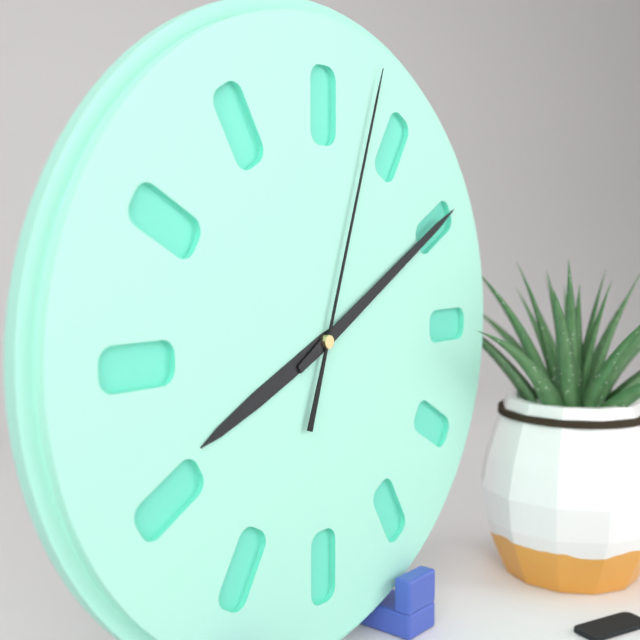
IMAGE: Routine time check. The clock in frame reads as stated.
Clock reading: 8:10:03
